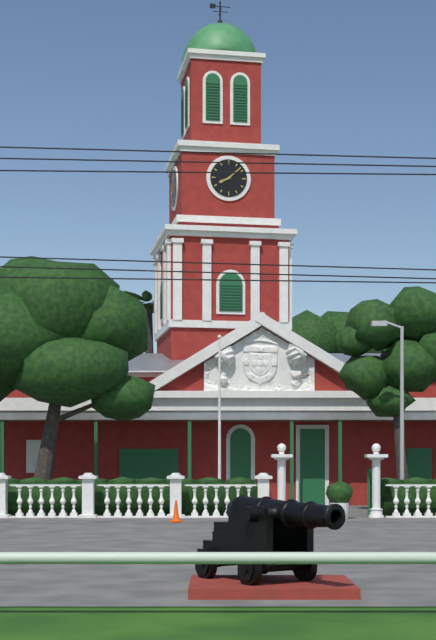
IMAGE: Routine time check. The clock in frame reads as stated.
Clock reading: 8:08
